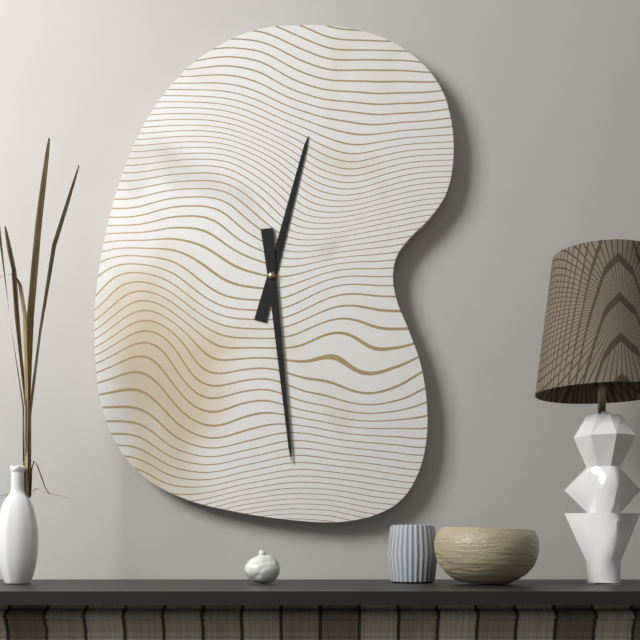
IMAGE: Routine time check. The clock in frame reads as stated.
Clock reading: 12:29
